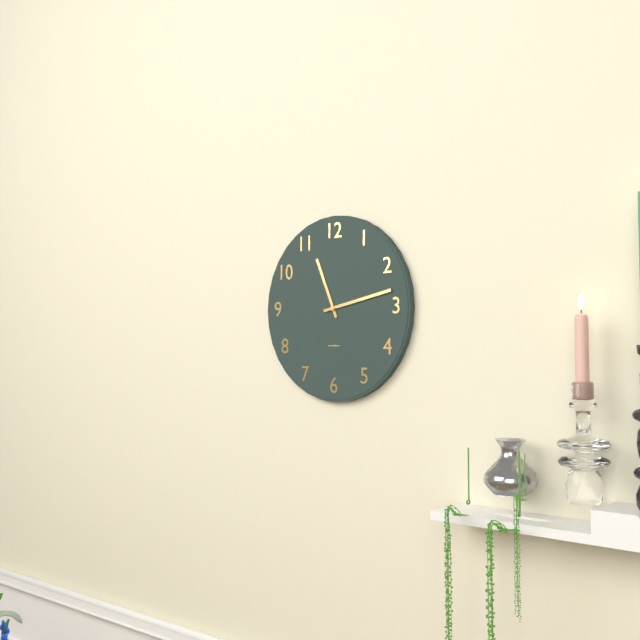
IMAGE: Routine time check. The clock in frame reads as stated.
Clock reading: 11:13
